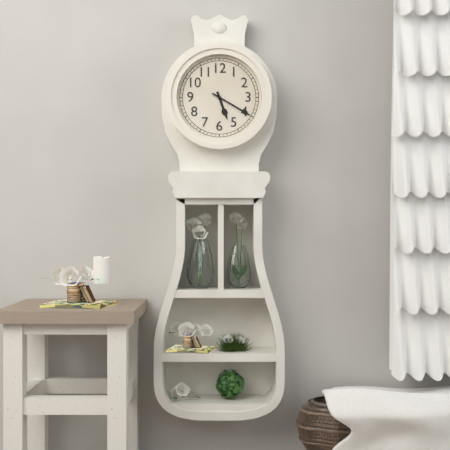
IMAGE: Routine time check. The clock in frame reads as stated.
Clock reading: 5:20
